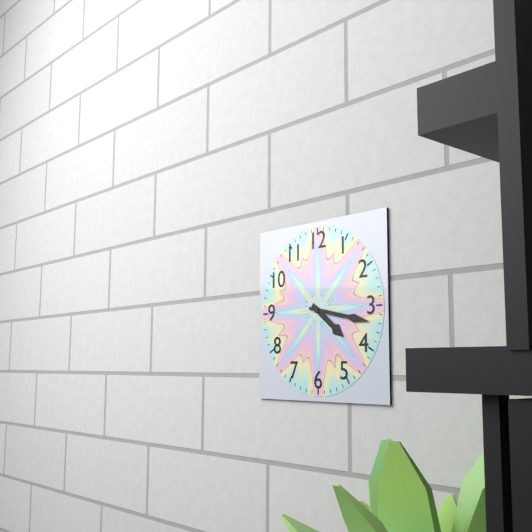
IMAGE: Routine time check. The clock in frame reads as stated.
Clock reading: 4:17
